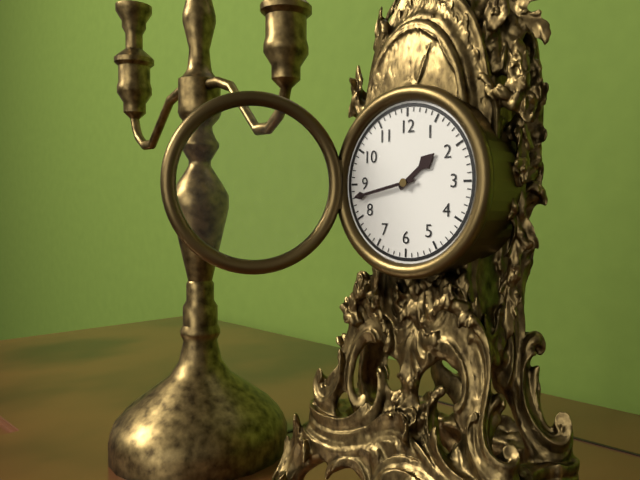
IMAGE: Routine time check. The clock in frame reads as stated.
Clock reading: 1:43
